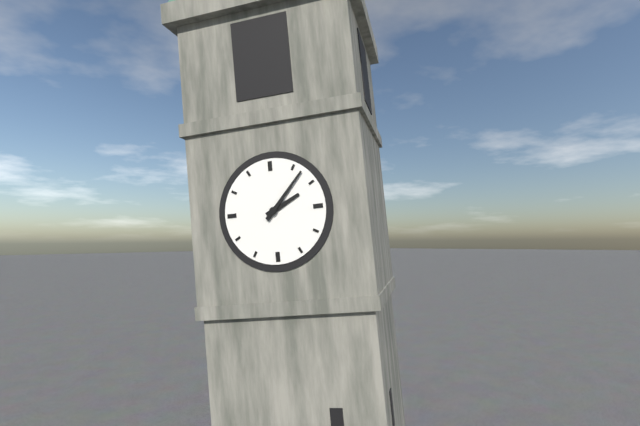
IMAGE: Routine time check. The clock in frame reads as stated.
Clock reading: 2:07
